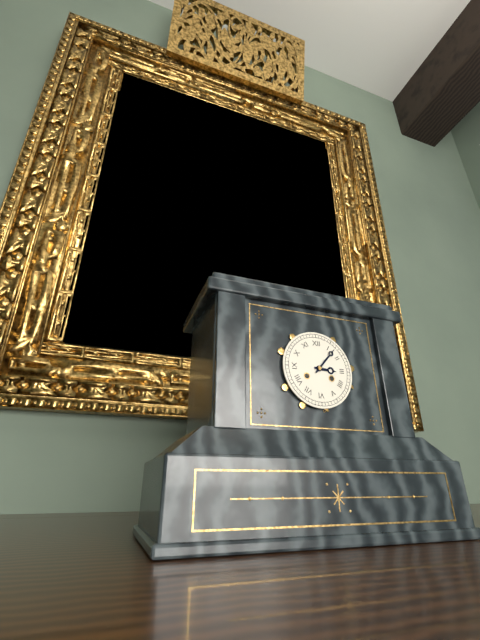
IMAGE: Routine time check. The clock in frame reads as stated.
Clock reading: 3:07
